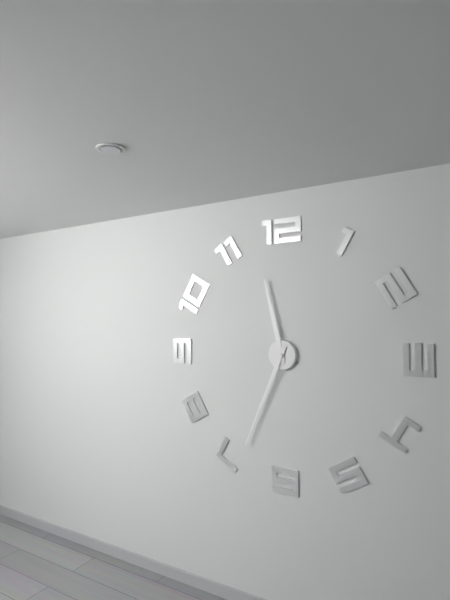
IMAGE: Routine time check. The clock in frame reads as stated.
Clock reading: 11:34
